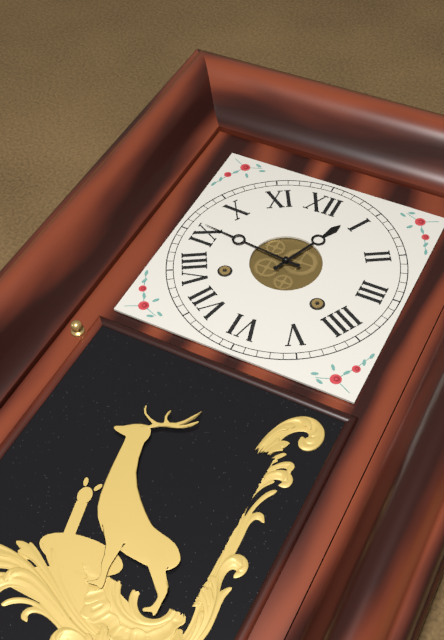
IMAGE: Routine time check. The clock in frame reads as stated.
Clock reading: 12:46
